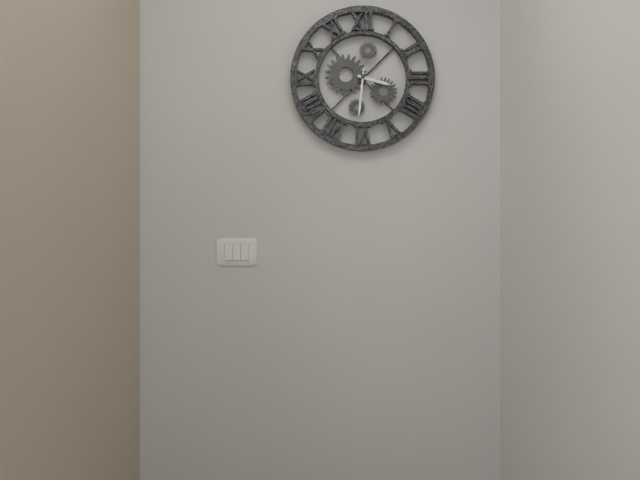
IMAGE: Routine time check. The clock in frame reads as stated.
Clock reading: 3:31
